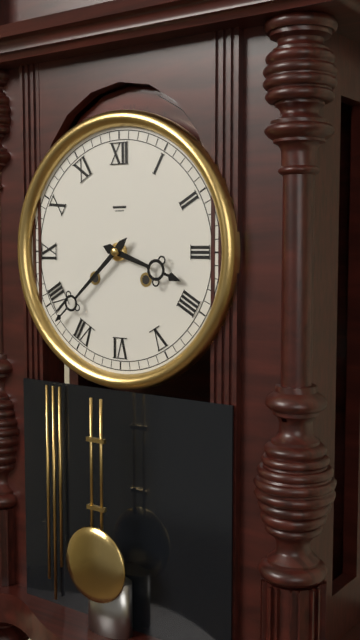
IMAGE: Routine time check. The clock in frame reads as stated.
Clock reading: 3:38
